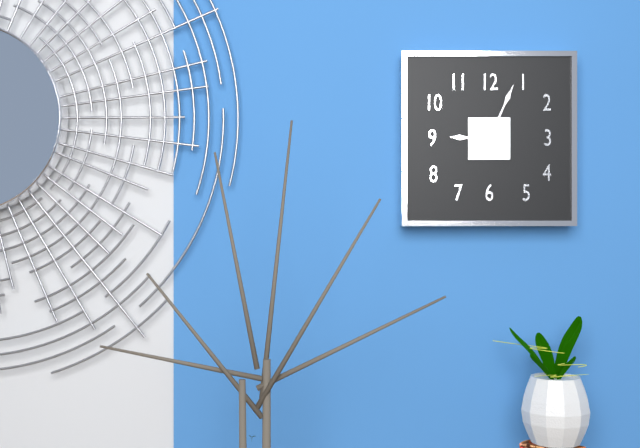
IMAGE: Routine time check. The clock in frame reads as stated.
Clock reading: 9:04
